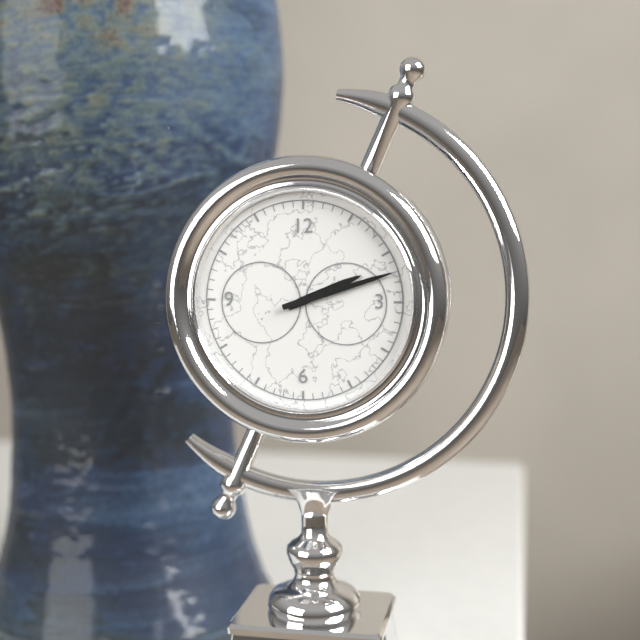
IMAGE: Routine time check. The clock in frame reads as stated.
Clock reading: 2:12
